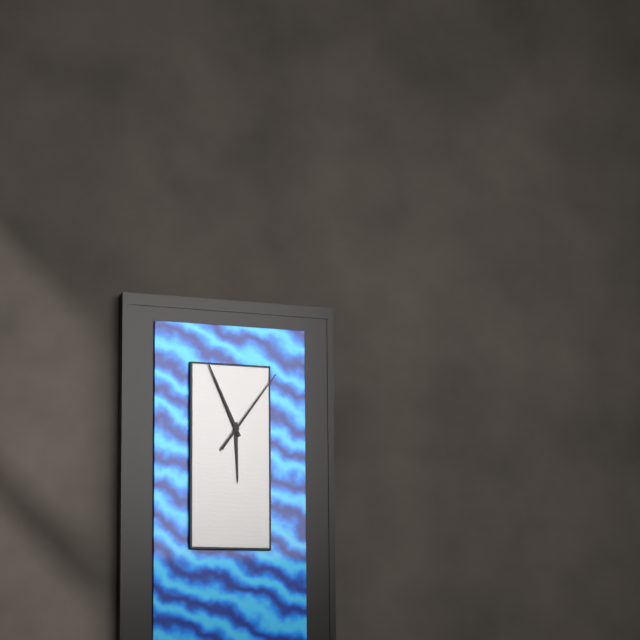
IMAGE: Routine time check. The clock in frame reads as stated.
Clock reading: 5:56:06
